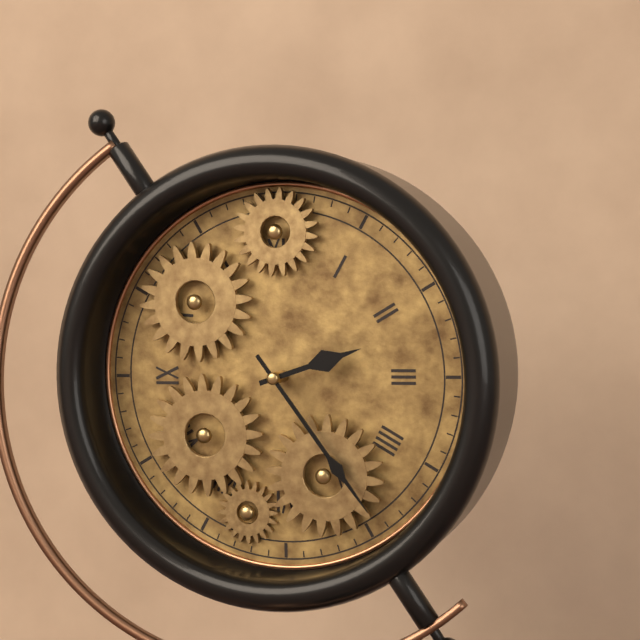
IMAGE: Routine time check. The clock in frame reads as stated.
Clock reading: 2:24
